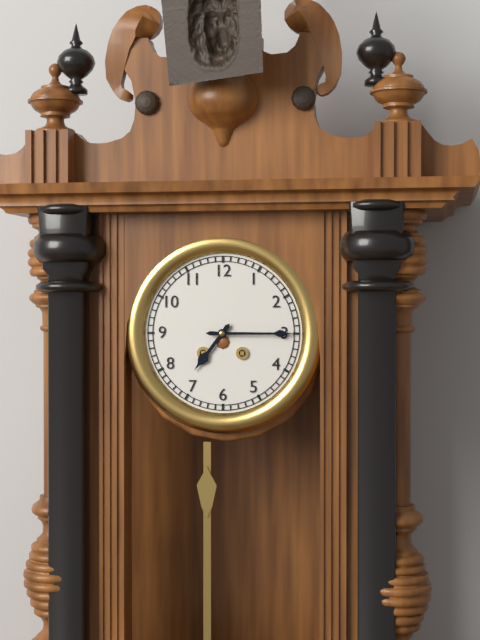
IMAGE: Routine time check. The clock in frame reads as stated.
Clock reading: 7:15
